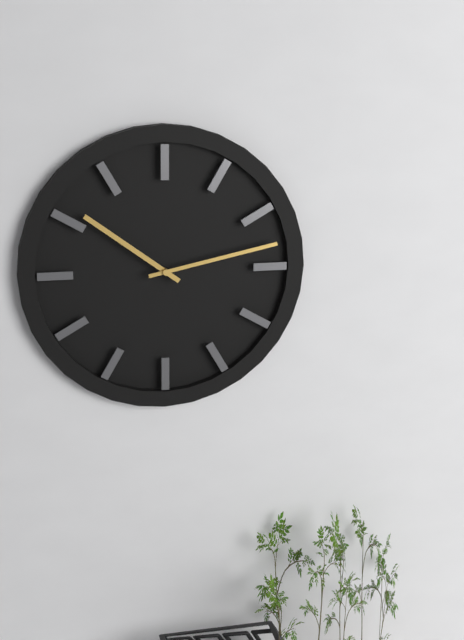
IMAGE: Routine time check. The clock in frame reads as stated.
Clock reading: 10:13
